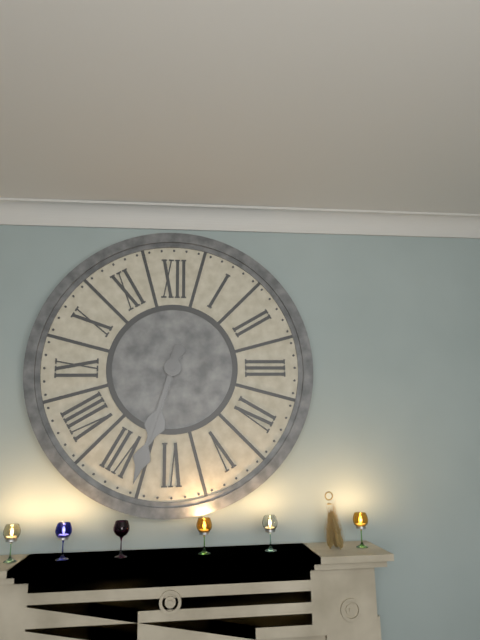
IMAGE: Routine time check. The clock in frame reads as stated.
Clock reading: 6:33
